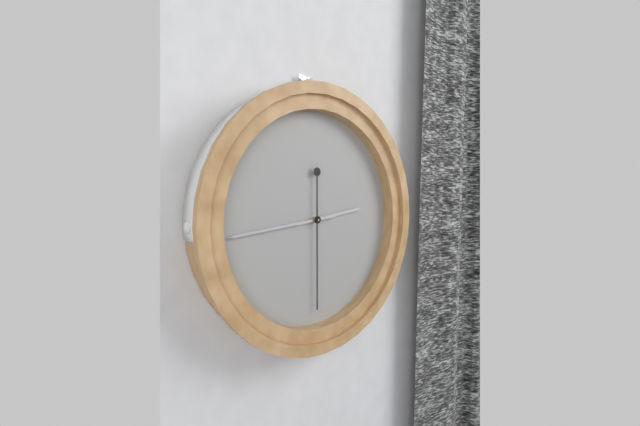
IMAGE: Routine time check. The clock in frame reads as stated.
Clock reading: 2:44:30
